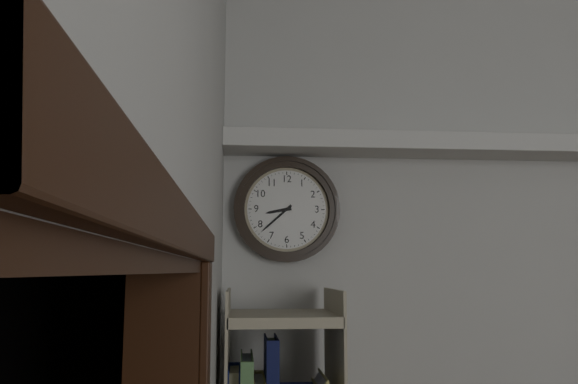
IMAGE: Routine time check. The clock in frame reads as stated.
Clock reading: 8:38
